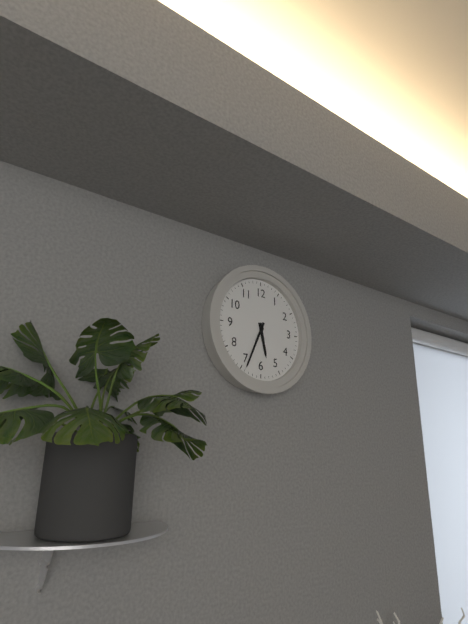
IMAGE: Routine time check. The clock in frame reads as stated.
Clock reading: 5:34
